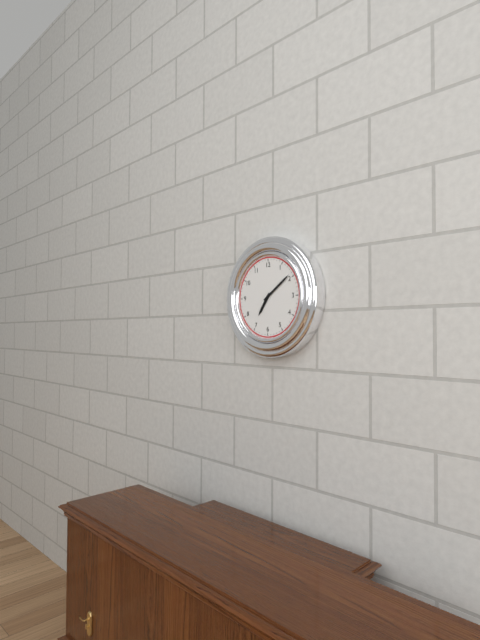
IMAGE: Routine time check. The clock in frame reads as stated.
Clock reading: 7:09
